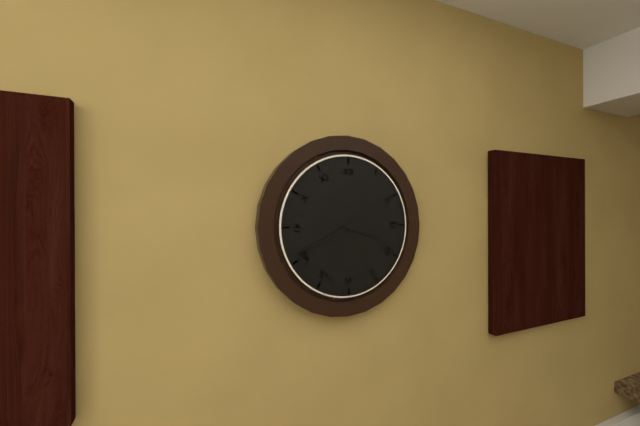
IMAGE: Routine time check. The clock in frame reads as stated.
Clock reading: 3:41
